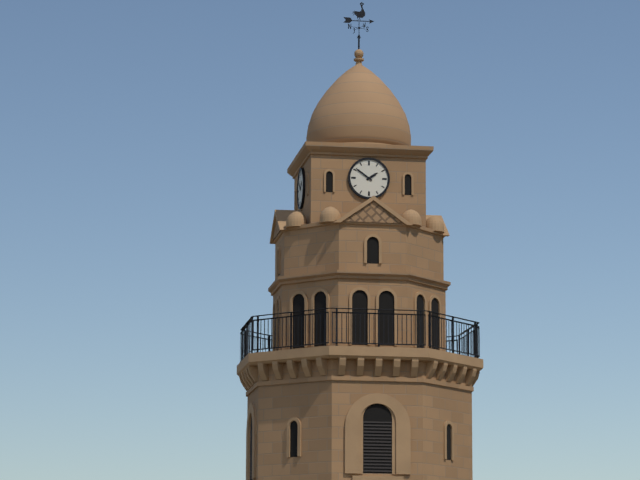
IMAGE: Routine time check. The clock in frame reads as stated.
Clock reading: 1:51
